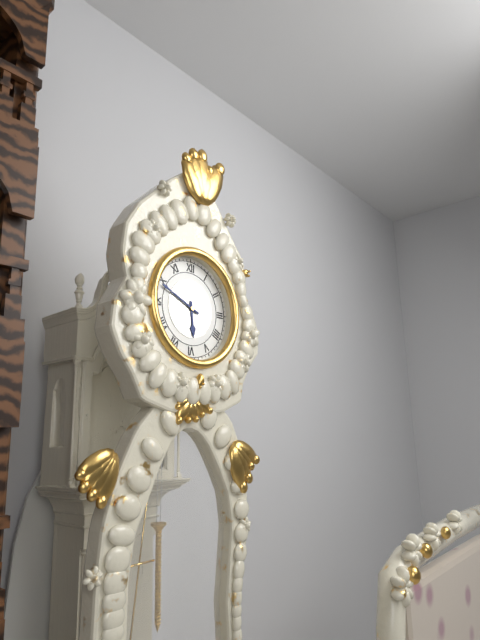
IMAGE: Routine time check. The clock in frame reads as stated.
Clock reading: 5:49
